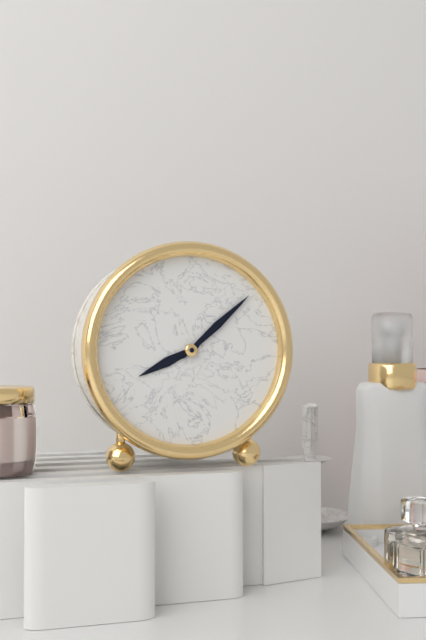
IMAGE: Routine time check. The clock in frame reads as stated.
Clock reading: 8:08
